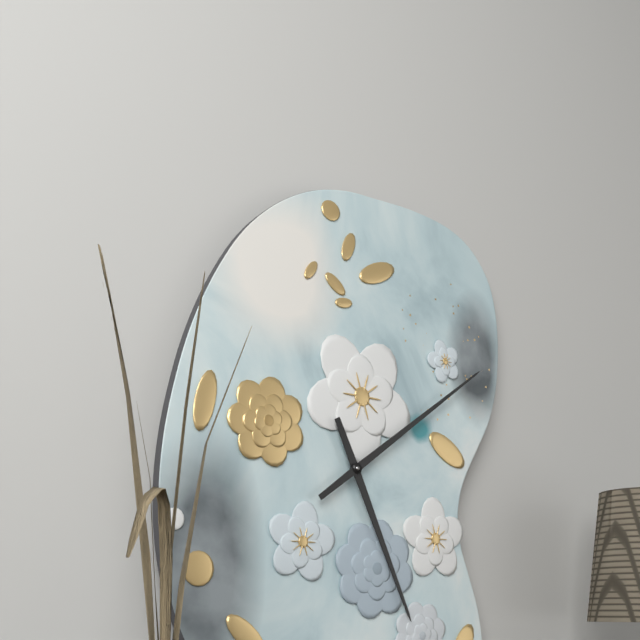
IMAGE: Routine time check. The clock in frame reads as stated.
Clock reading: 5:09
